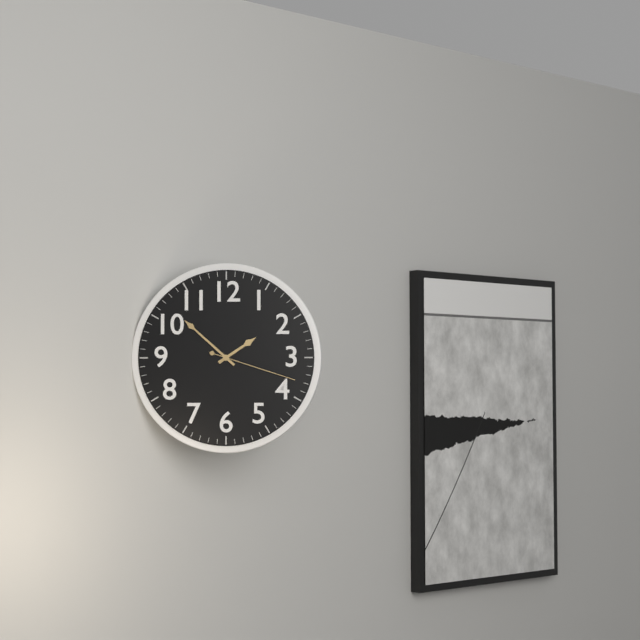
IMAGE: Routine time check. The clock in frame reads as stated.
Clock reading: 1:52:18
